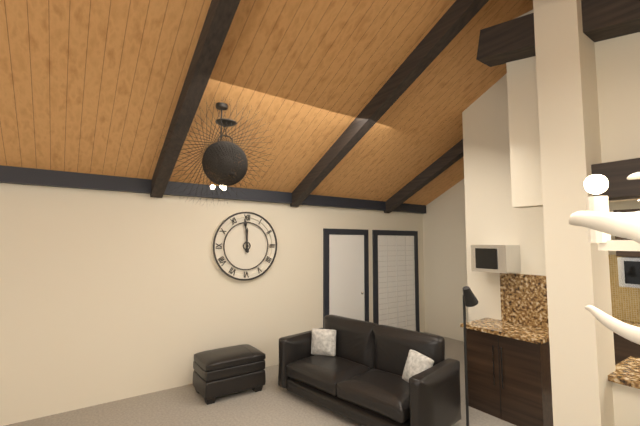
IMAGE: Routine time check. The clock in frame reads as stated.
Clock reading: 11:59
